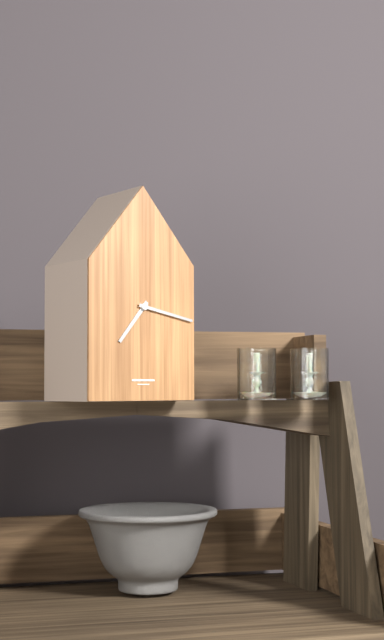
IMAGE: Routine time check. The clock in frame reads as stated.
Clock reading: 7:17
